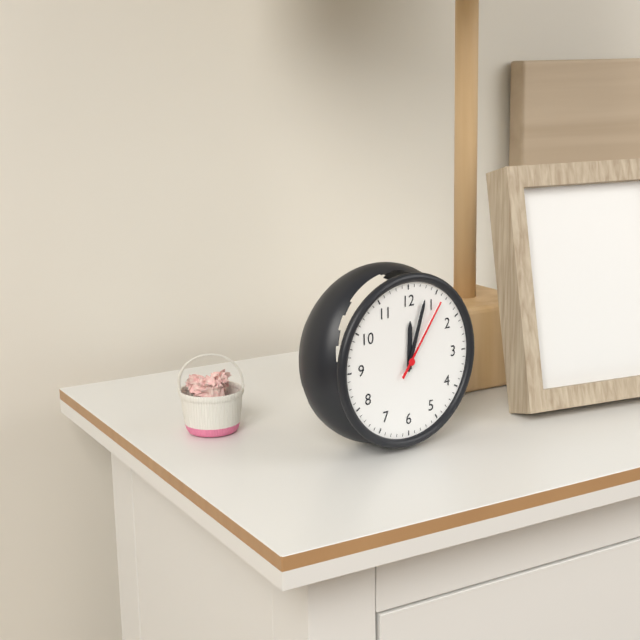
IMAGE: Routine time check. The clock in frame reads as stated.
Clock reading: 12:03:06
